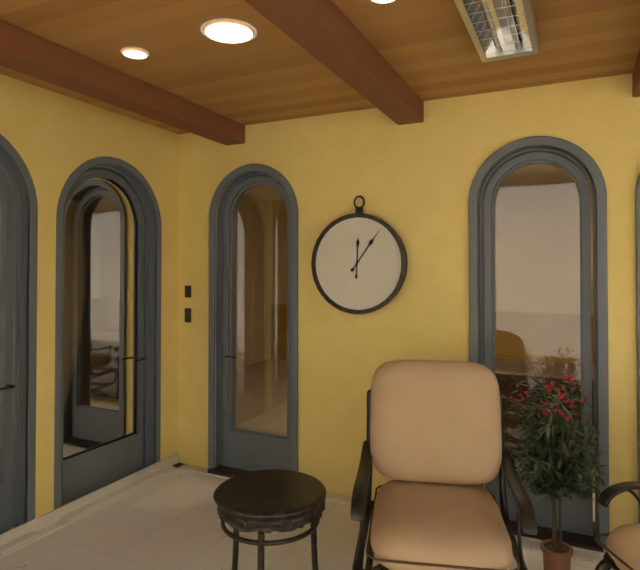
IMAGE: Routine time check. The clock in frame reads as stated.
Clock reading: 12:06
